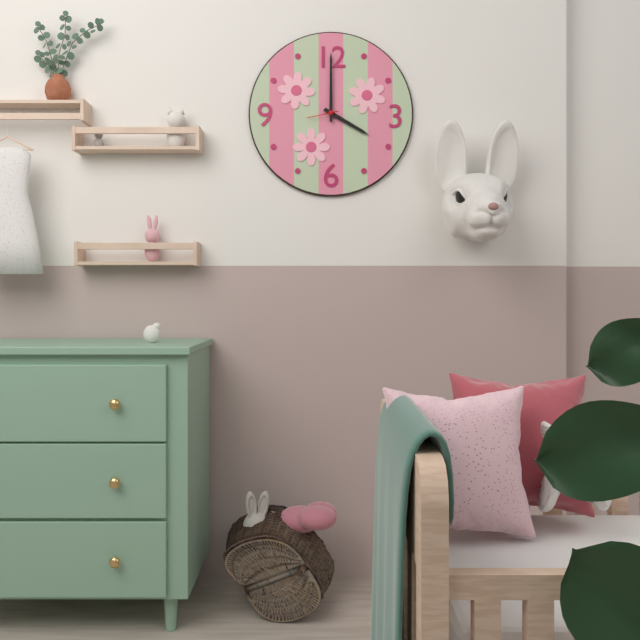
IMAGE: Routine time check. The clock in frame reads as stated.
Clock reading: 4:00
